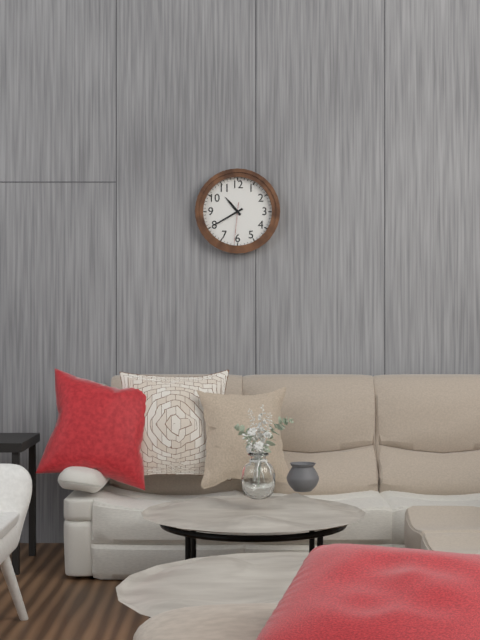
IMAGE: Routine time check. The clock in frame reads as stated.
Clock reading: 10:40
